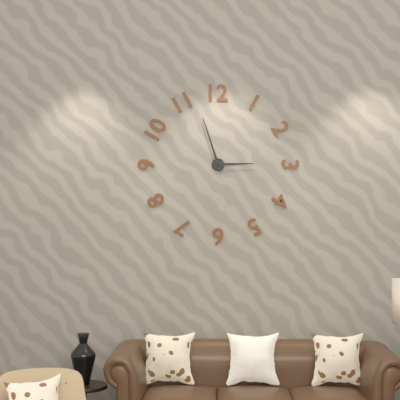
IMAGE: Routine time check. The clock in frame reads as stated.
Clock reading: 2:57
